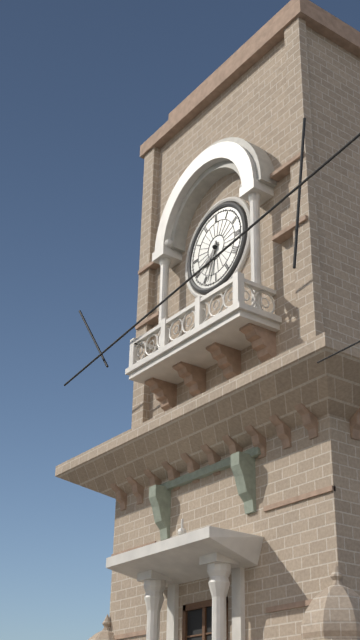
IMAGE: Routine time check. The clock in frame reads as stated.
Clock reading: 7:33
